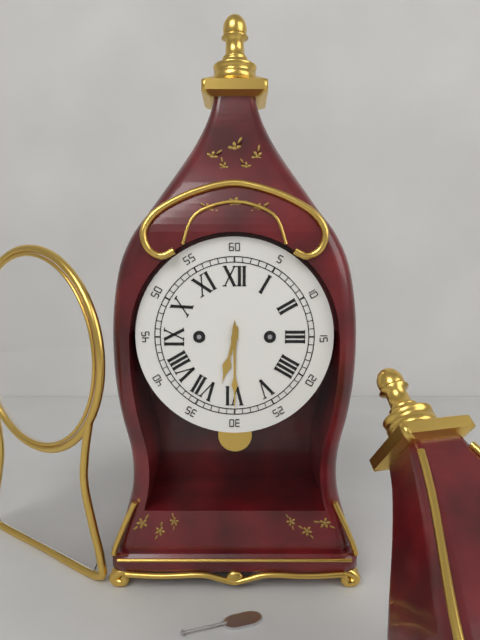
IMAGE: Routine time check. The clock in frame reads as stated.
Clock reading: 6:30
